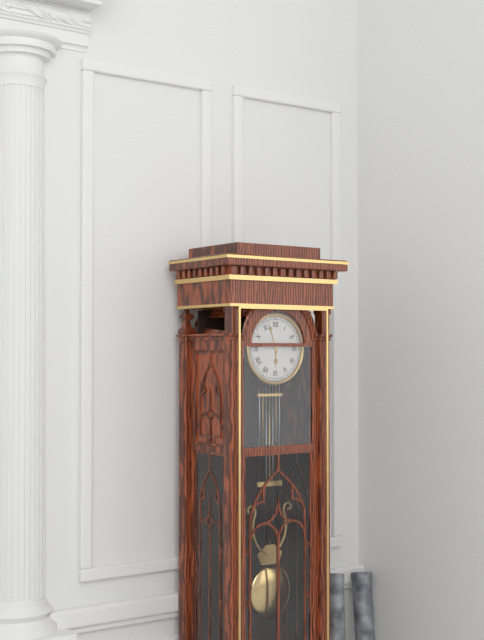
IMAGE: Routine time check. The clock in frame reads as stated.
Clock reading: 5:57
